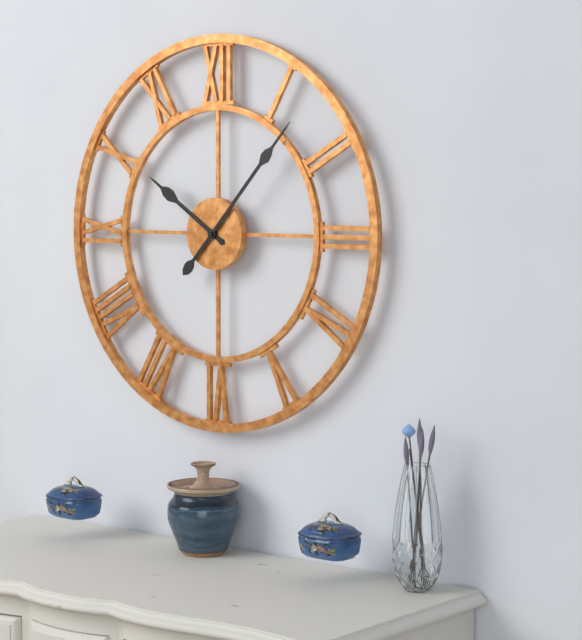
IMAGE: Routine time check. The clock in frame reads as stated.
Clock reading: 10:07
